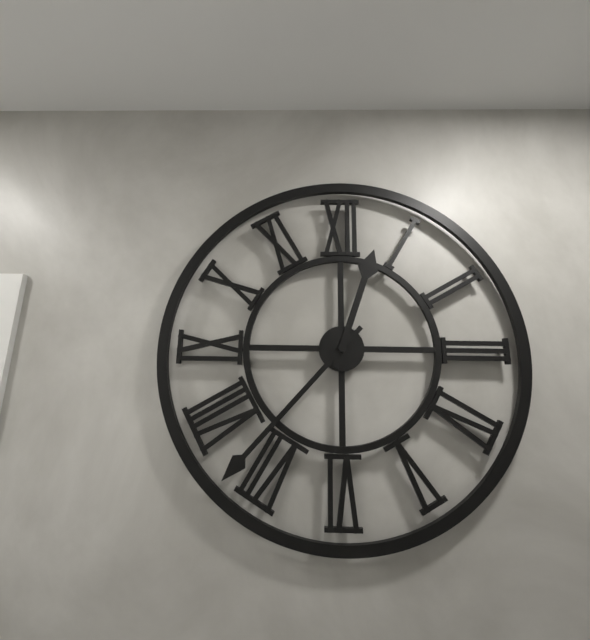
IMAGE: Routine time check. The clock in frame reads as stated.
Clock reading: 12:37
